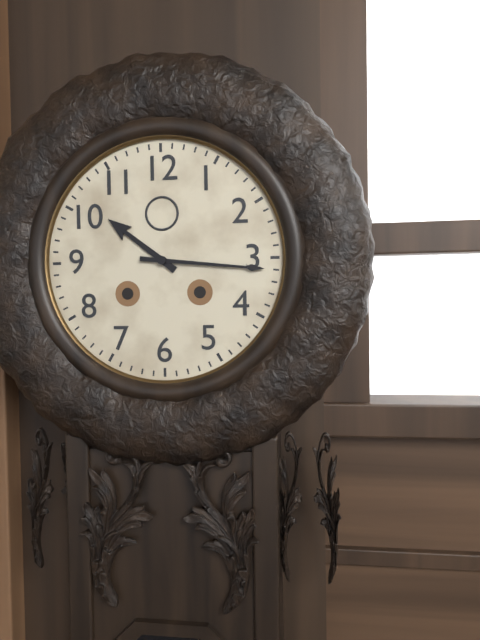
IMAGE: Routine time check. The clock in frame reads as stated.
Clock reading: 10:16
